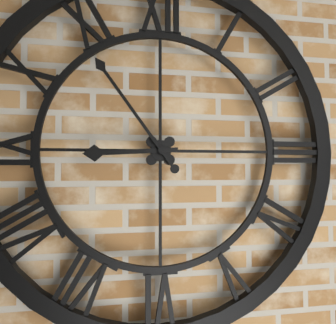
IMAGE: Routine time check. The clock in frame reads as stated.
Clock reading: 8:54
